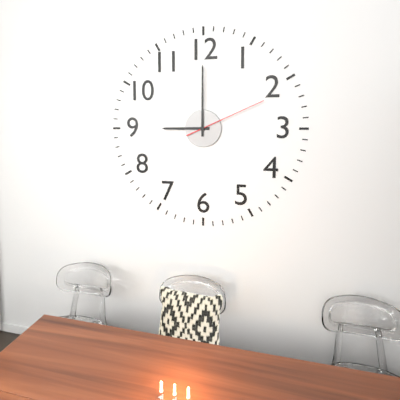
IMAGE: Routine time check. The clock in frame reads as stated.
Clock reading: 9:00:11
